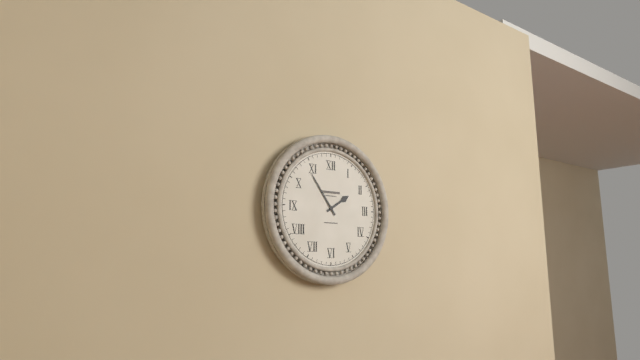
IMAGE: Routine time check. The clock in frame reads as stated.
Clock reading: 1:54
